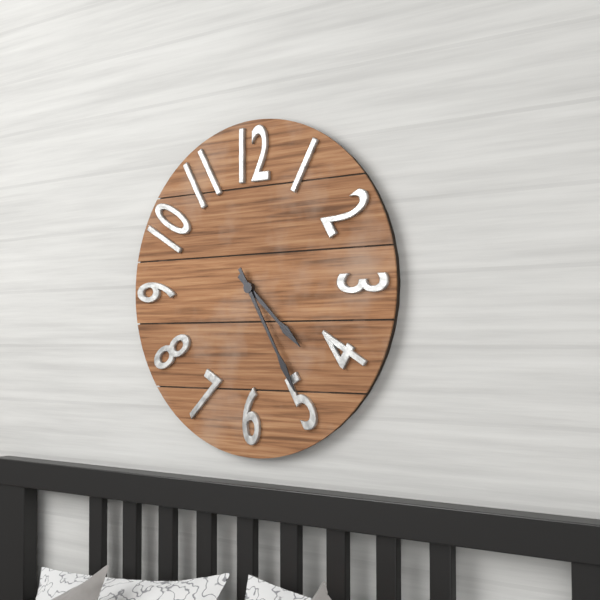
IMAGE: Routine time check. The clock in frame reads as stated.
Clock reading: 4:25
